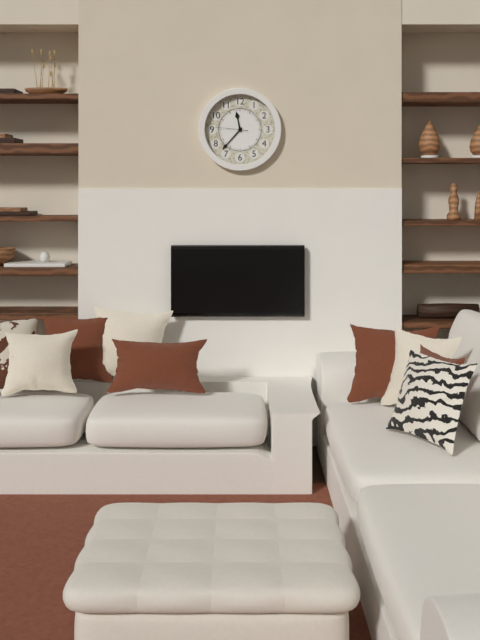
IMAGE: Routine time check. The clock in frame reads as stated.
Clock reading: 11:37
